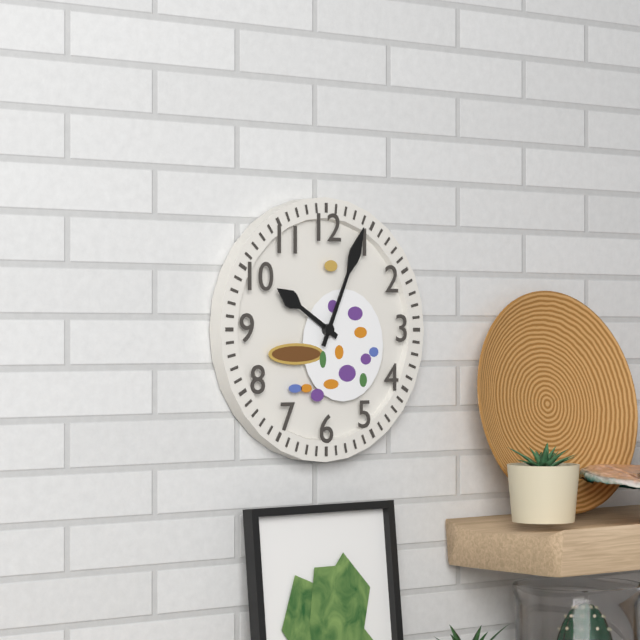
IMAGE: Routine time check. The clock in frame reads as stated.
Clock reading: 10:04
